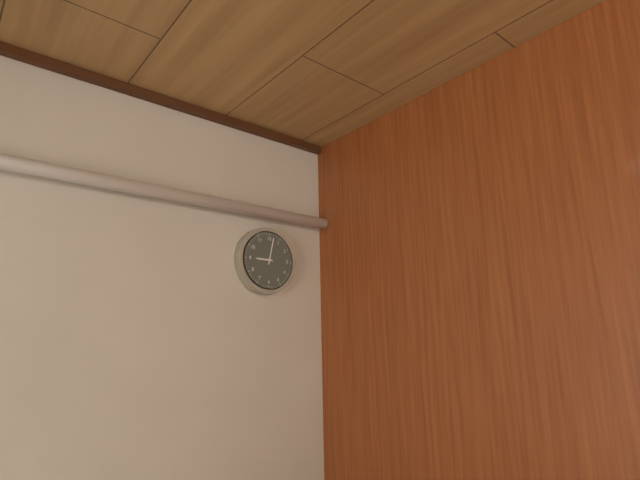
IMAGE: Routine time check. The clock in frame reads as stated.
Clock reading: 9:02
